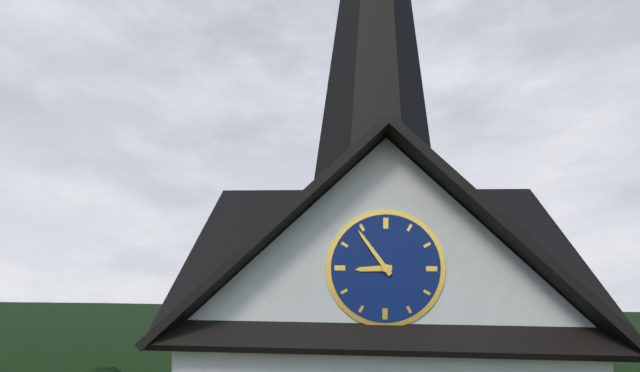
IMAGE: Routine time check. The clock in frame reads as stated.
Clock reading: 8:54
